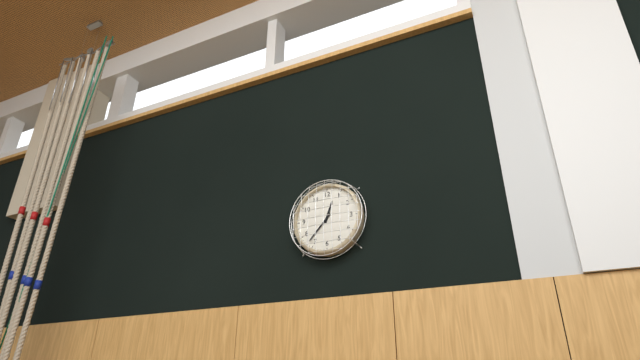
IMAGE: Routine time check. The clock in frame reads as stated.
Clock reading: 12:37
